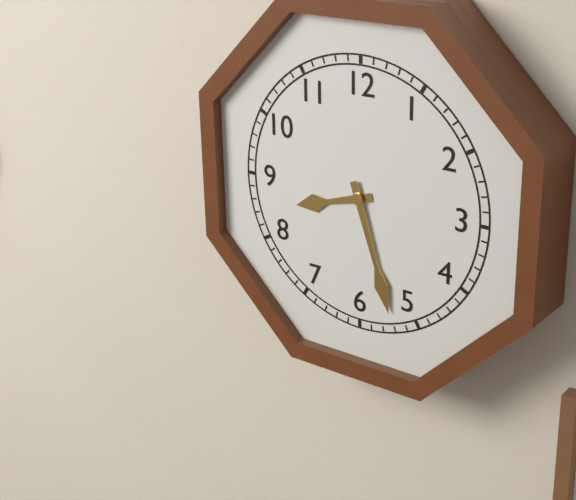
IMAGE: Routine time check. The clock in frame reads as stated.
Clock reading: 8:27
